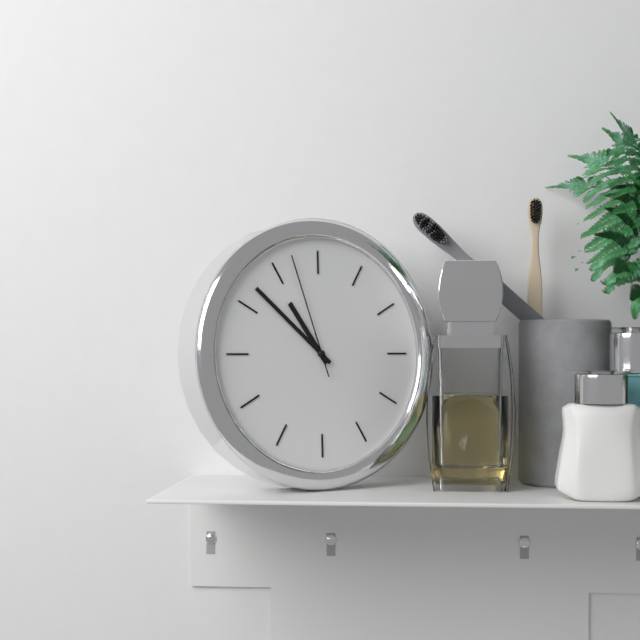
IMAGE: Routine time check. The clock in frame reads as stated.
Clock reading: 10:52:57
